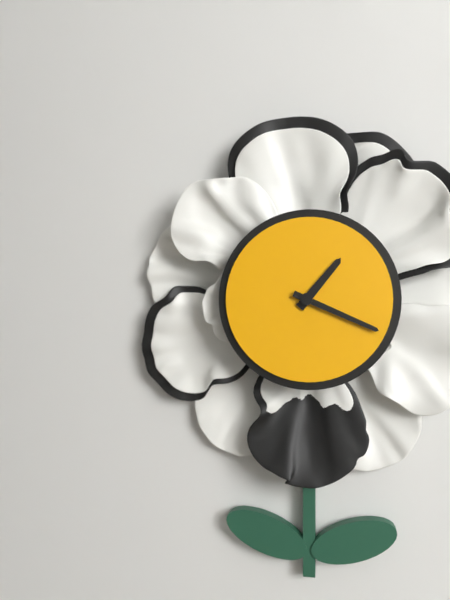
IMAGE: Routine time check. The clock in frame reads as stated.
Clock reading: 1:19
